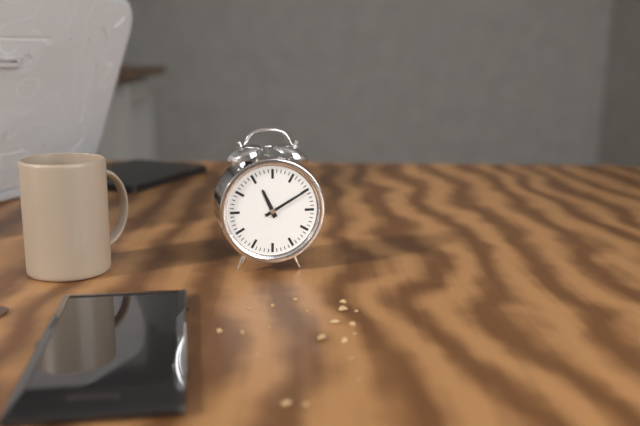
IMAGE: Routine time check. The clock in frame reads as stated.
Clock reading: 11:10
